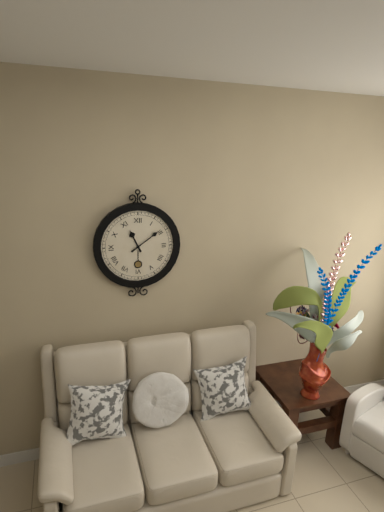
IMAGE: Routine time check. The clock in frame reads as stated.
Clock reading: 11:09
